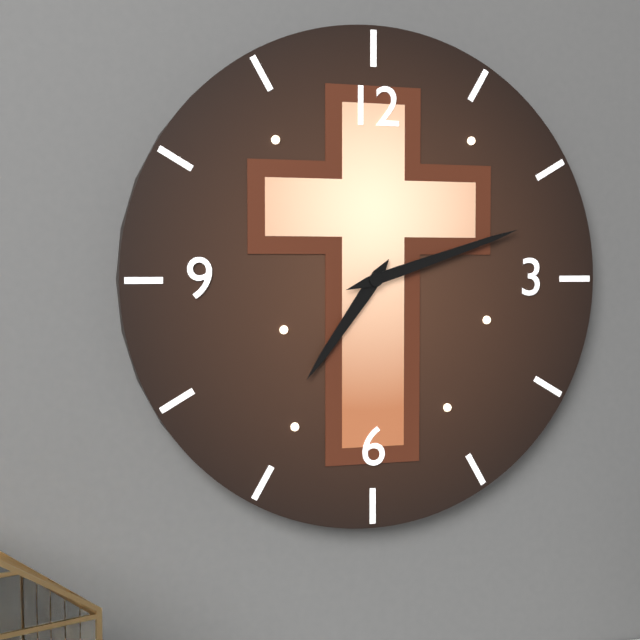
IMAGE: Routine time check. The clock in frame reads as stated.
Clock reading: 7:12
